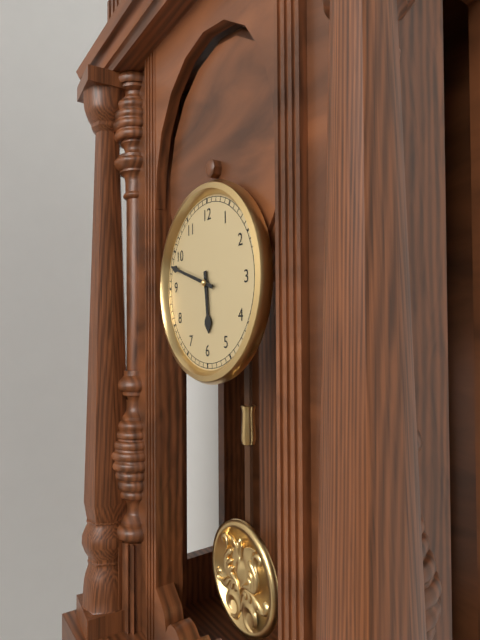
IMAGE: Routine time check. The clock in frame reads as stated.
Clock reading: 5:48
